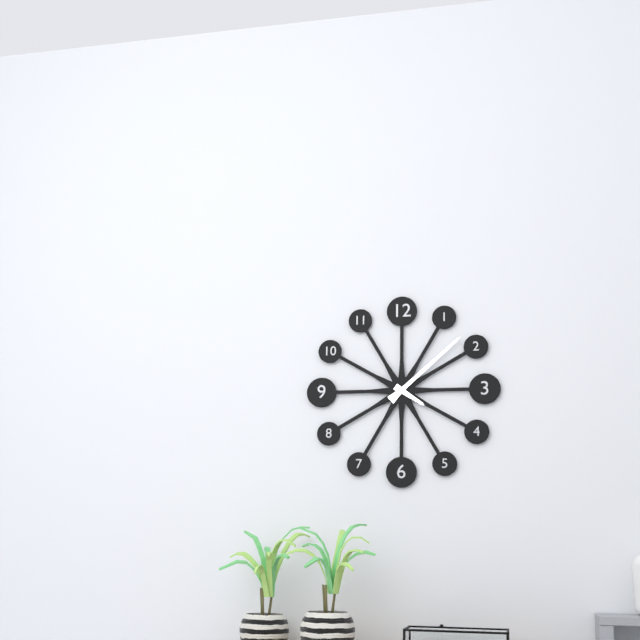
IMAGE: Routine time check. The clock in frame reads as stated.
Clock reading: 4:08
